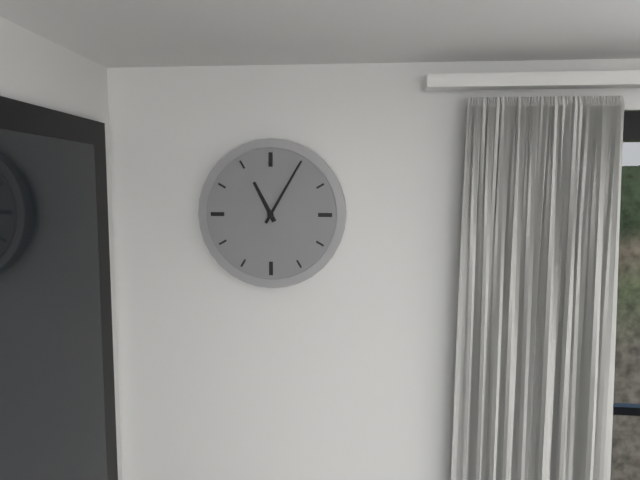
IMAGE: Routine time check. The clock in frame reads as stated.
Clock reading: 11:05
